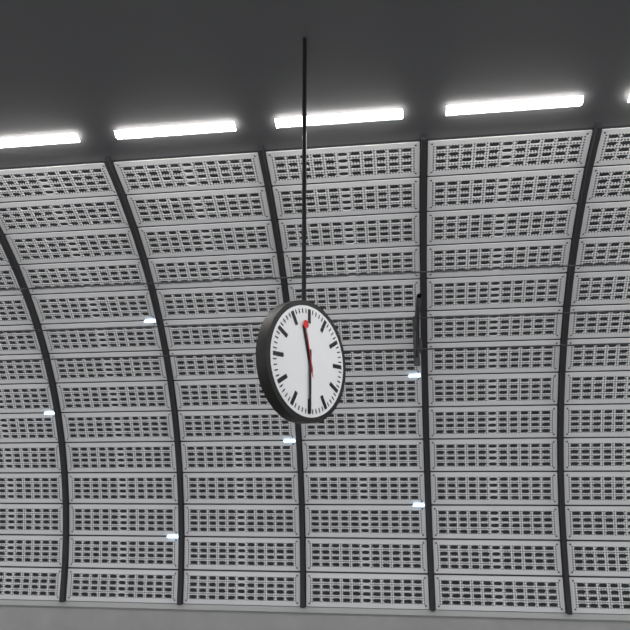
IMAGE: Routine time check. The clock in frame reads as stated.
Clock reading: 11:30:58
